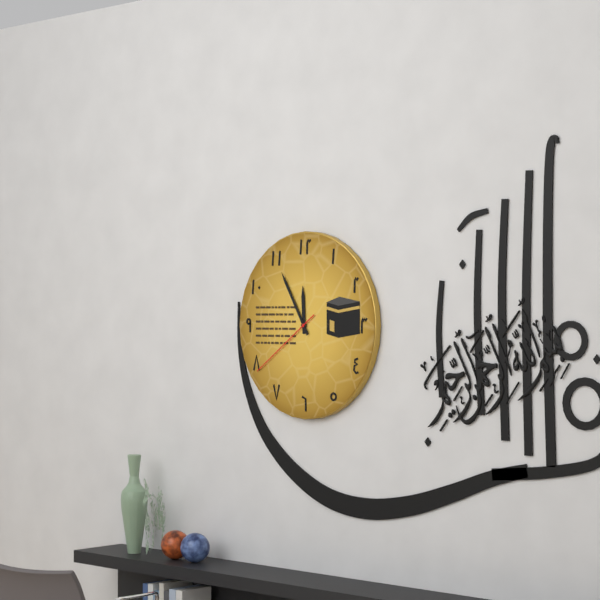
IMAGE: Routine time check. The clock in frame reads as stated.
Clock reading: 11:55:39
